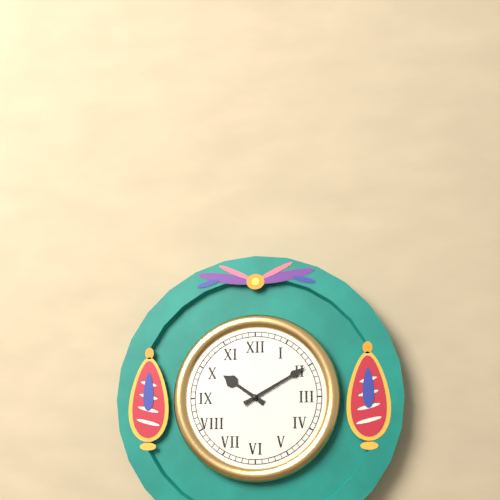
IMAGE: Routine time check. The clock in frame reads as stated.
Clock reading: 10:10
